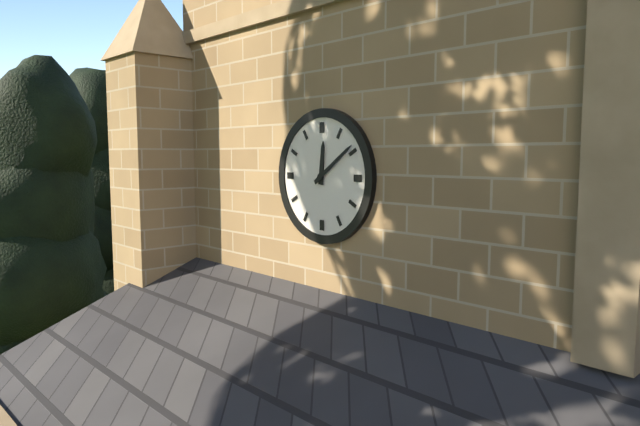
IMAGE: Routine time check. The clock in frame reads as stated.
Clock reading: 12:09
